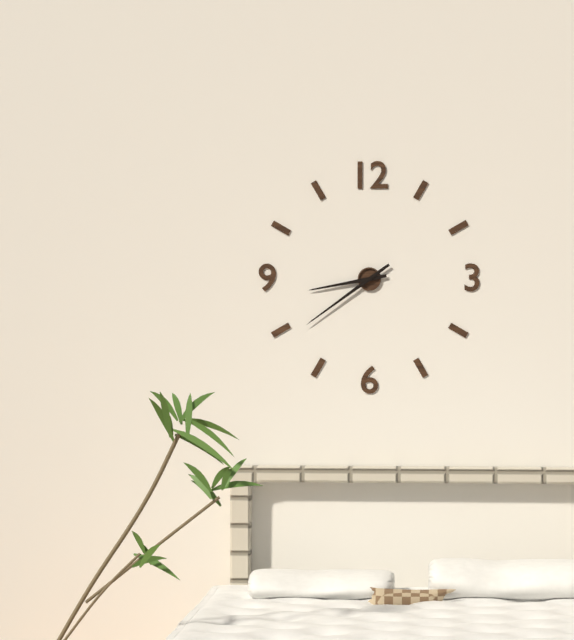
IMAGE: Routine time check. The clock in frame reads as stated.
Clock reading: 8:39
